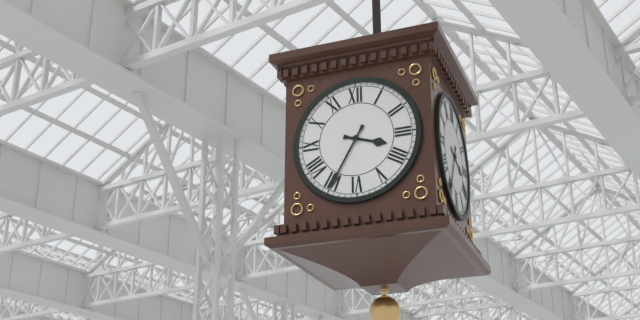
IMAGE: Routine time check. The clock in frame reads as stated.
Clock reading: 3:35
